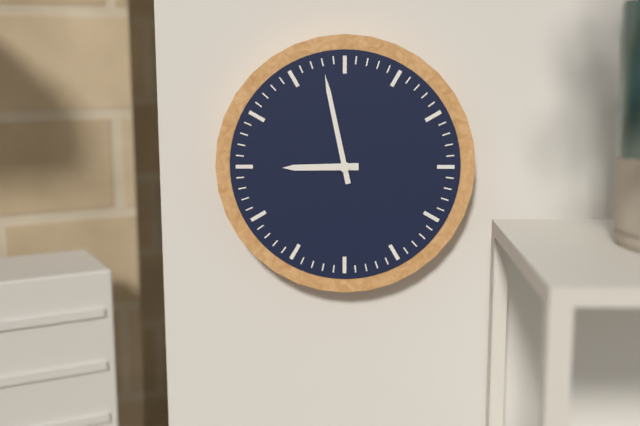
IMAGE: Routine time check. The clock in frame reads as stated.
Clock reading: 8:58
